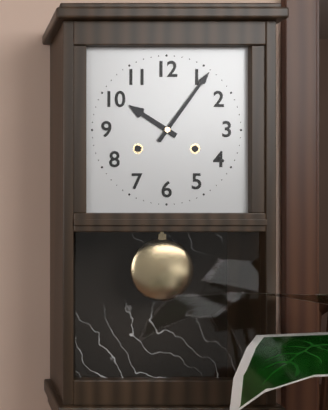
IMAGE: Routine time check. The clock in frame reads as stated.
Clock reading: 10:06
